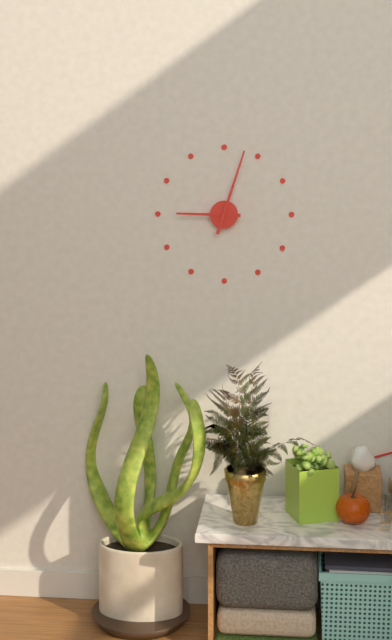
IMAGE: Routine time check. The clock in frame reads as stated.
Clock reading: 9:03
